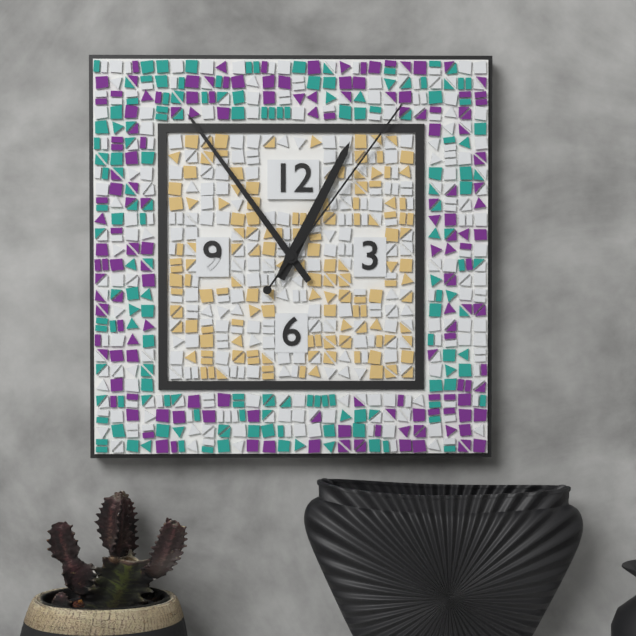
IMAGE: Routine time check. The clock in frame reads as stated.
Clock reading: 12:54:06
